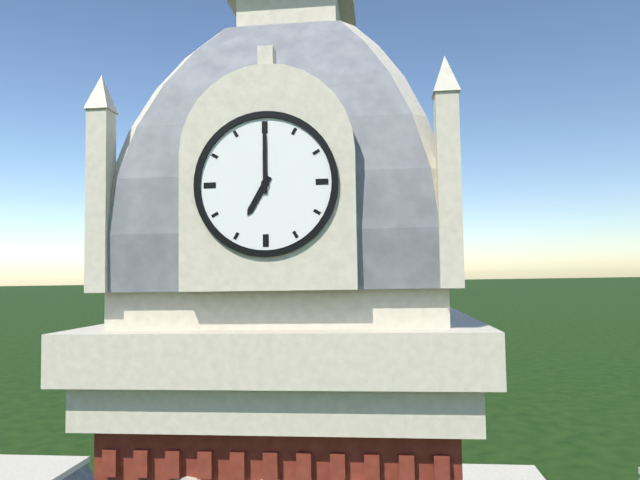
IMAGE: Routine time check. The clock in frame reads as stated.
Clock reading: 7:00
